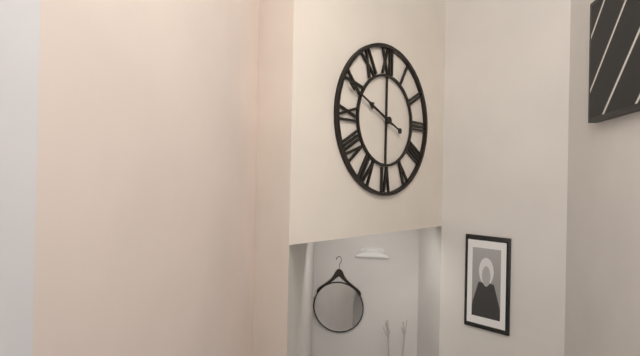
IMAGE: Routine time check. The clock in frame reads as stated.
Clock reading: 9:49
